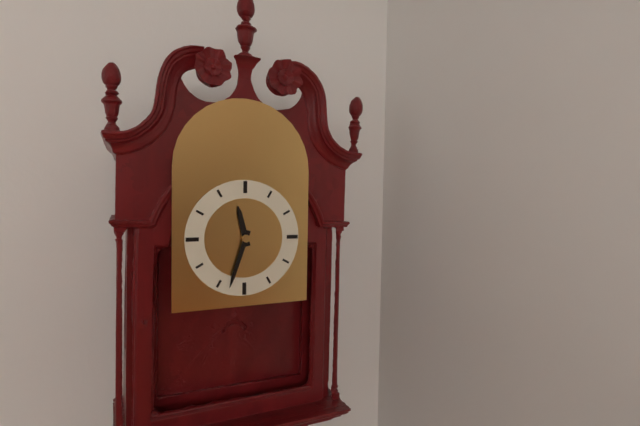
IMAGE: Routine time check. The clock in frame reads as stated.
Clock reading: 11:33
